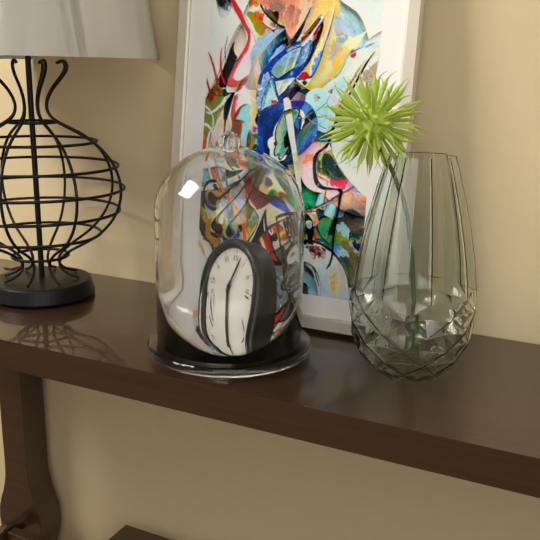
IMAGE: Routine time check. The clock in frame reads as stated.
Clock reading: 6:03
